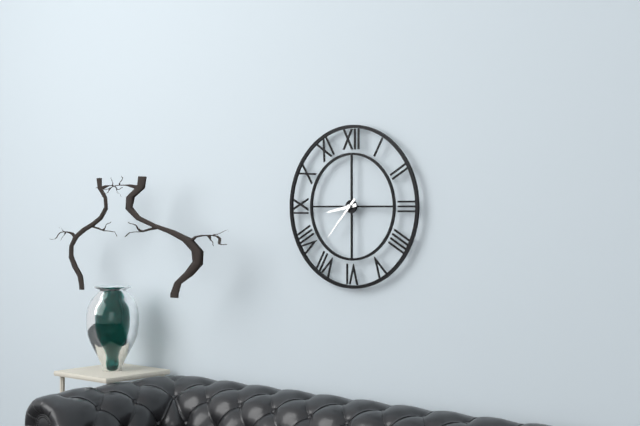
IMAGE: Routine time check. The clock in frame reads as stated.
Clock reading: 8:37
